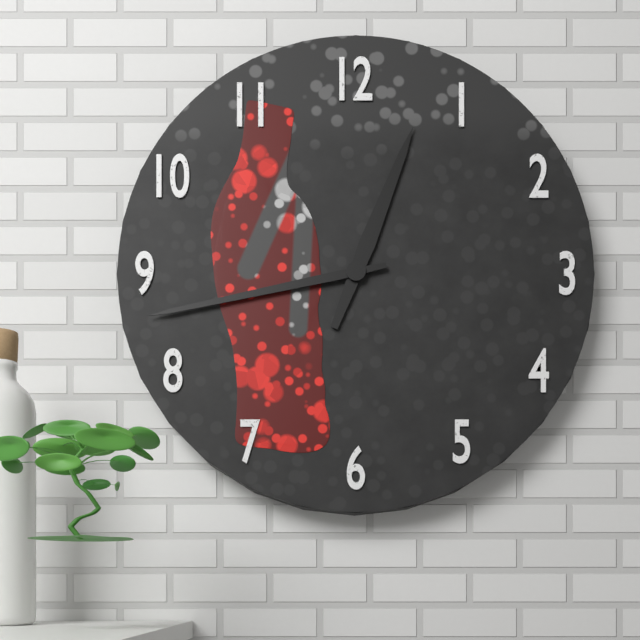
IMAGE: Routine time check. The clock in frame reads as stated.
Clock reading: 12:43
